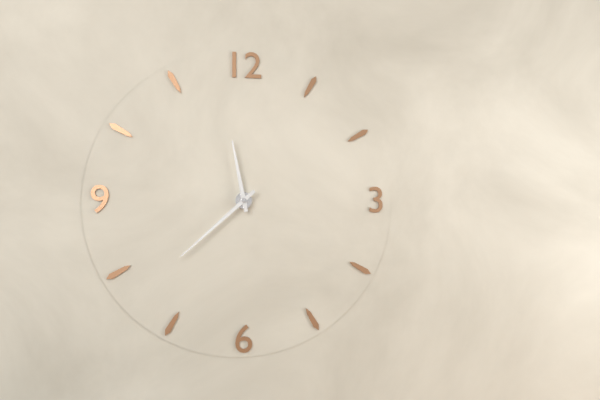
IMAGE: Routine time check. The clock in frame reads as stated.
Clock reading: 11:38
